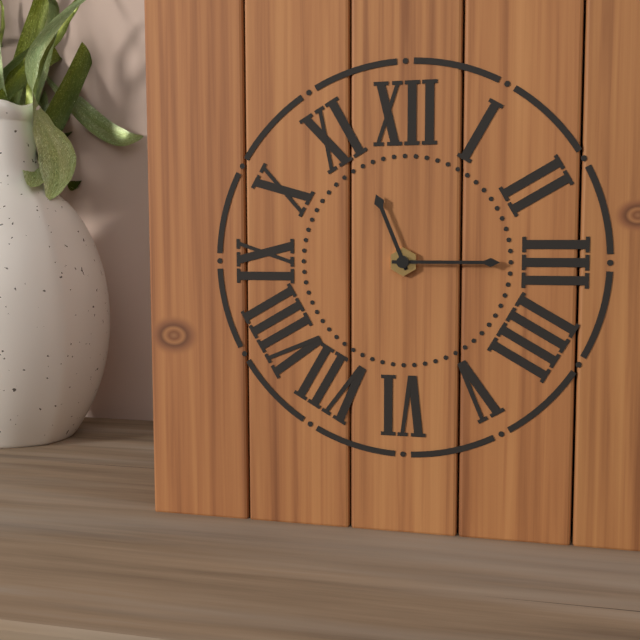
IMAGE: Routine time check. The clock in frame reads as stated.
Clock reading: 11:15
